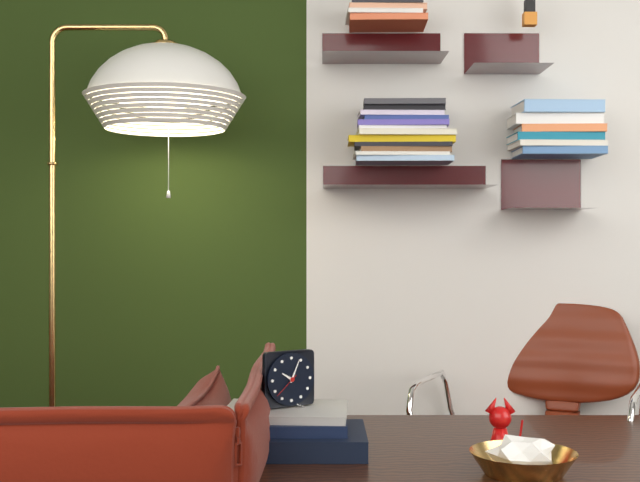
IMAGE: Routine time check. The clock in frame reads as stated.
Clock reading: 10:04
